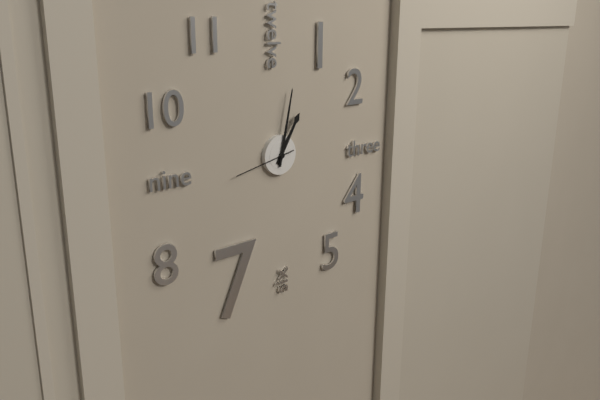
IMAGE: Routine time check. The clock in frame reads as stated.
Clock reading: 1:02:43
